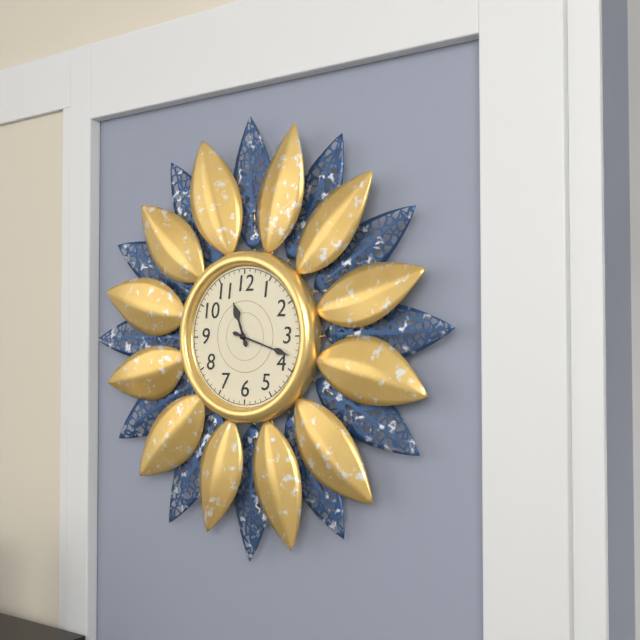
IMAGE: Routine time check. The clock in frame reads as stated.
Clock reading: 11:18
